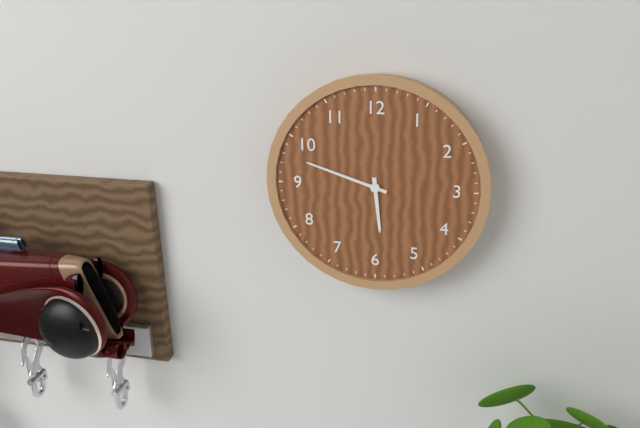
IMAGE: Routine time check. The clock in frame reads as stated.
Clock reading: 5:48
